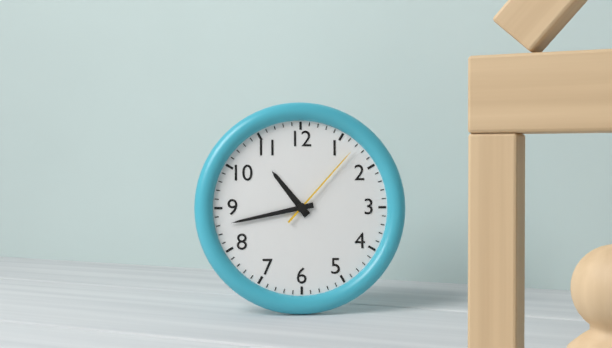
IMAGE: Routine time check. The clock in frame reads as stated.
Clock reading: 10:43:07
